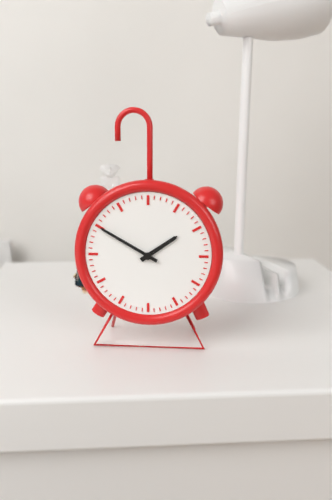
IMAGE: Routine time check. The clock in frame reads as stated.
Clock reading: 1:50
